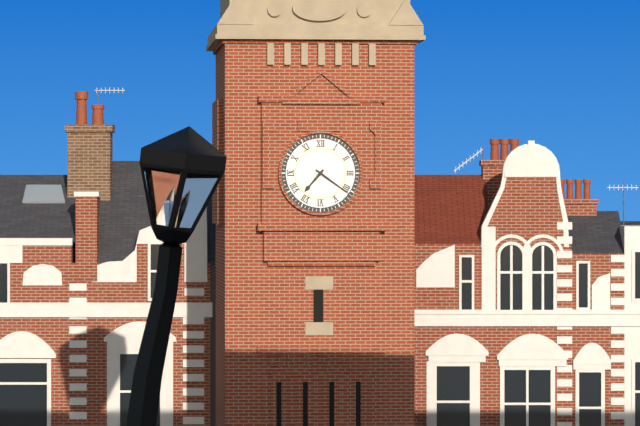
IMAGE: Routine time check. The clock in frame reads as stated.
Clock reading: 7:21
